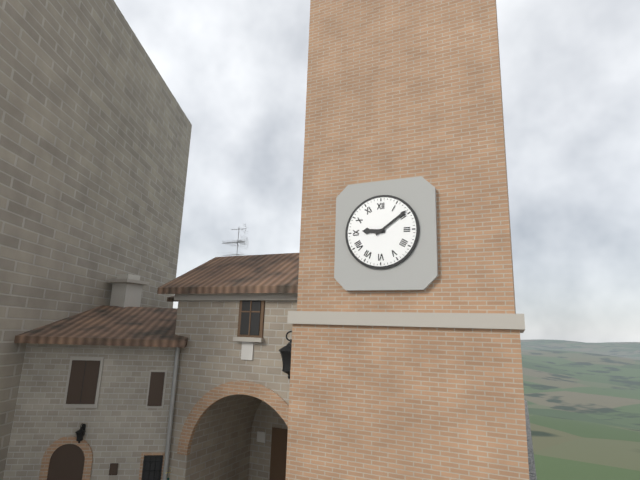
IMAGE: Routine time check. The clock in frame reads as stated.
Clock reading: 9:09
